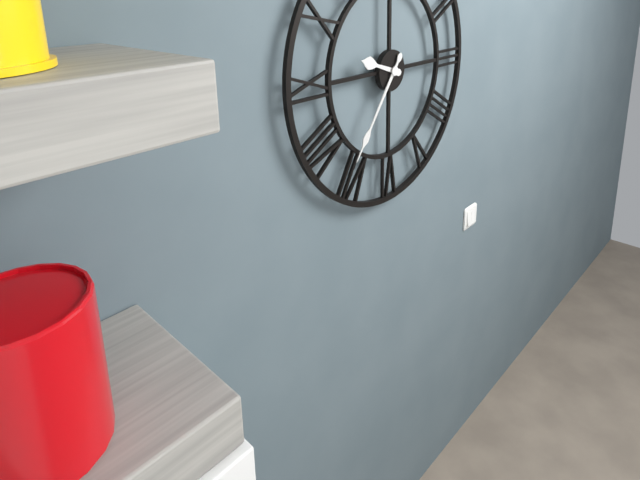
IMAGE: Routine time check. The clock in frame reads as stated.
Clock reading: 9:36
